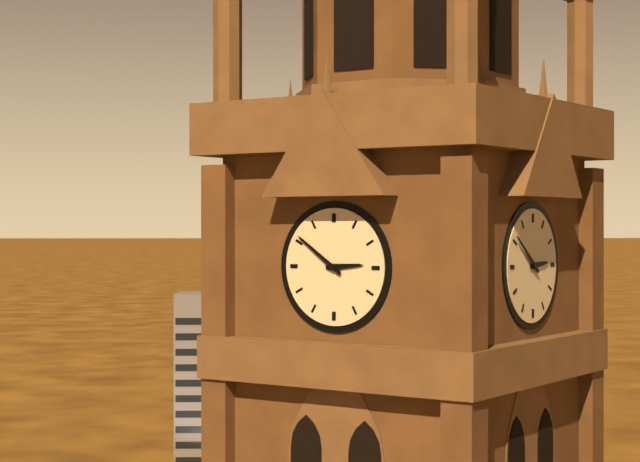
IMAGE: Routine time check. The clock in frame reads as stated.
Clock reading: 2:51
